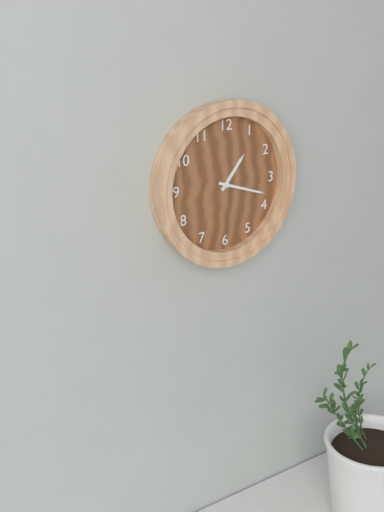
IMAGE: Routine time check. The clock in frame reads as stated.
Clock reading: 1:18
